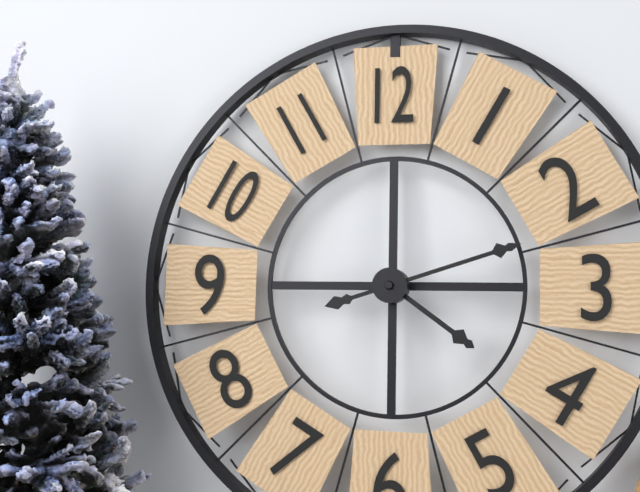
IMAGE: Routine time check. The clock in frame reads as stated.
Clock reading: 4:12
